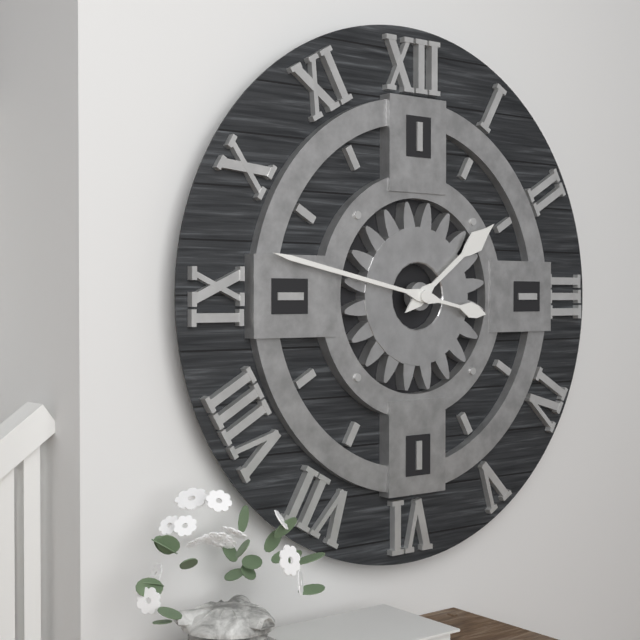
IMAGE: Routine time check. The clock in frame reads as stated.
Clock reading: 1:47
